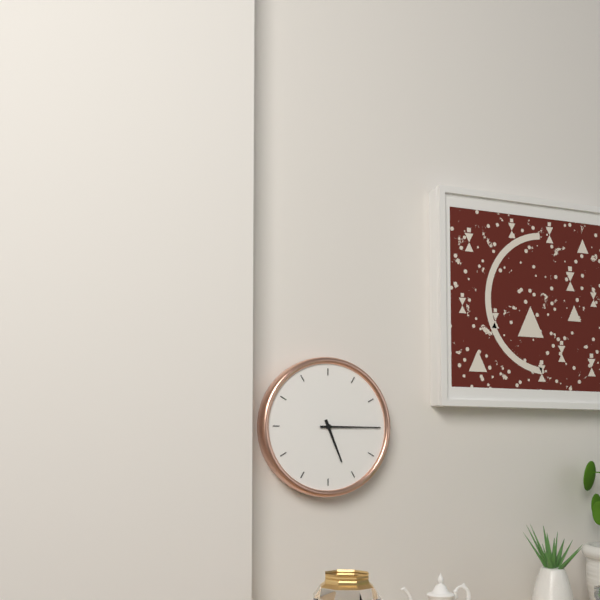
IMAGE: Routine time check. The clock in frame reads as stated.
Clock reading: 5:15
